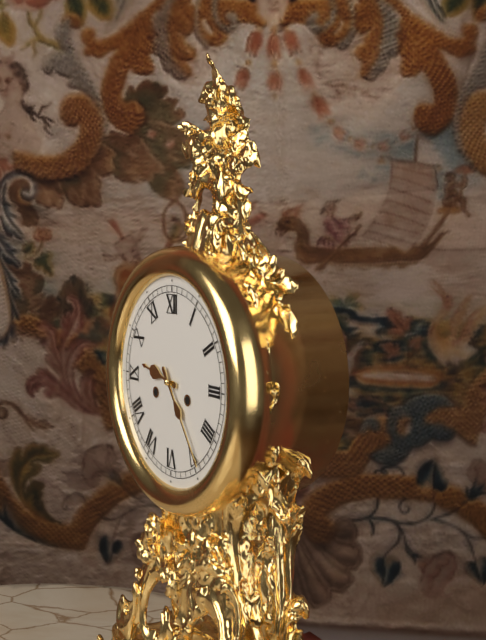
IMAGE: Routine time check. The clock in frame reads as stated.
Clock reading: 9:24
